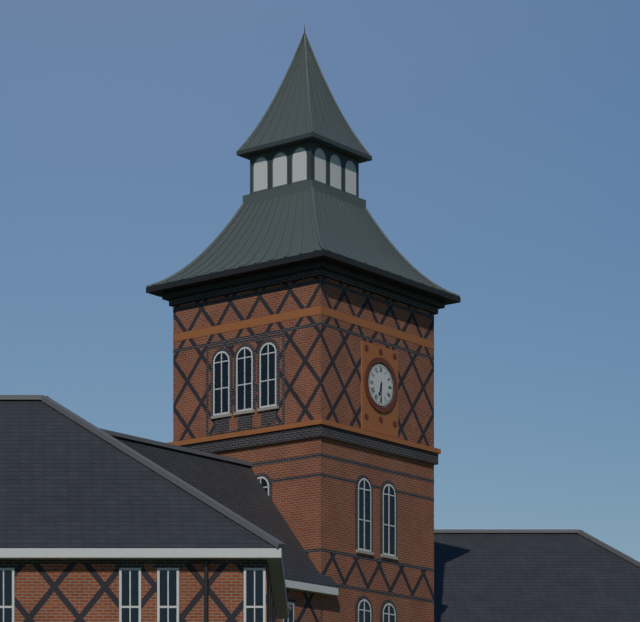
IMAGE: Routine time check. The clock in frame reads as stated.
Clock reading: 6:30
